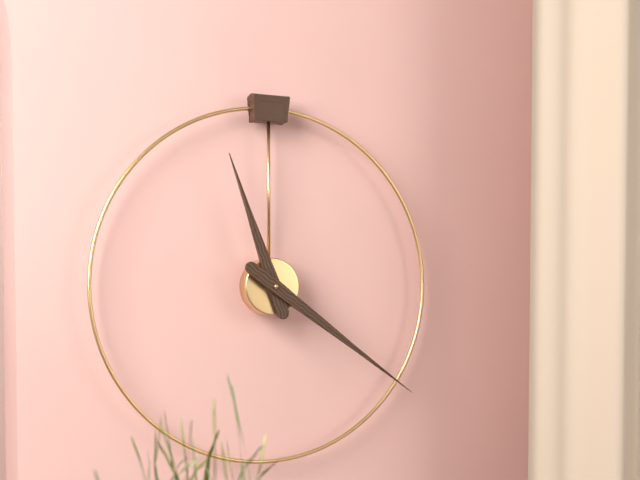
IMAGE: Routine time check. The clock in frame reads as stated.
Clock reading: 11:21
